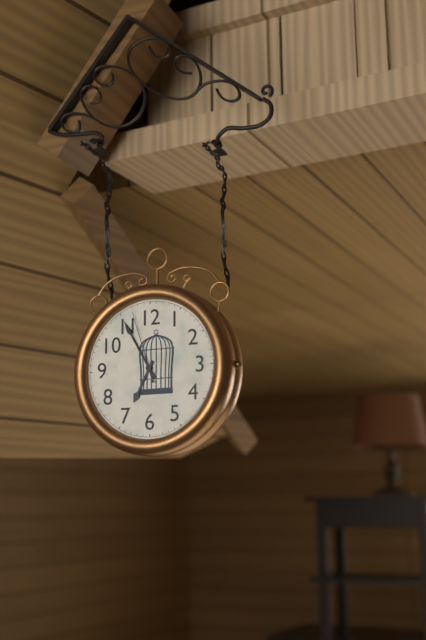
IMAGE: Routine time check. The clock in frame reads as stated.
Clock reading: 6:55:57
